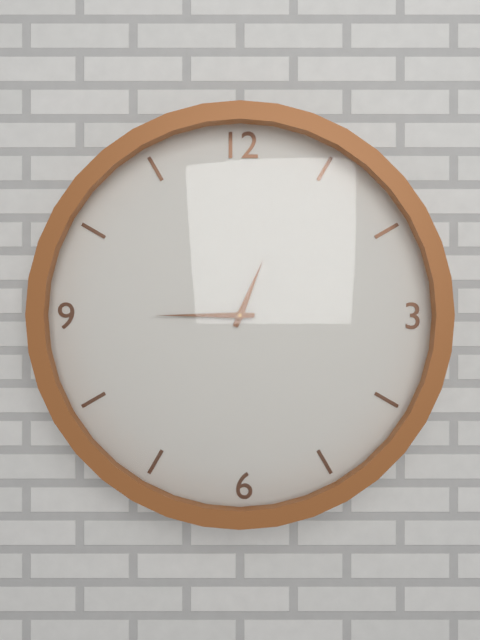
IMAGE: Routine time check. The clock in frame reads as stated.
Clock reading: 12:45
